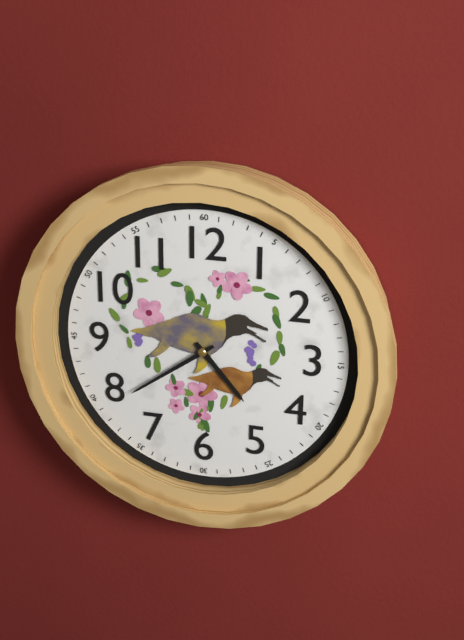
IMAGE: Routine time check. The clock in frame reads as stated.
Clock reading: 4:39
